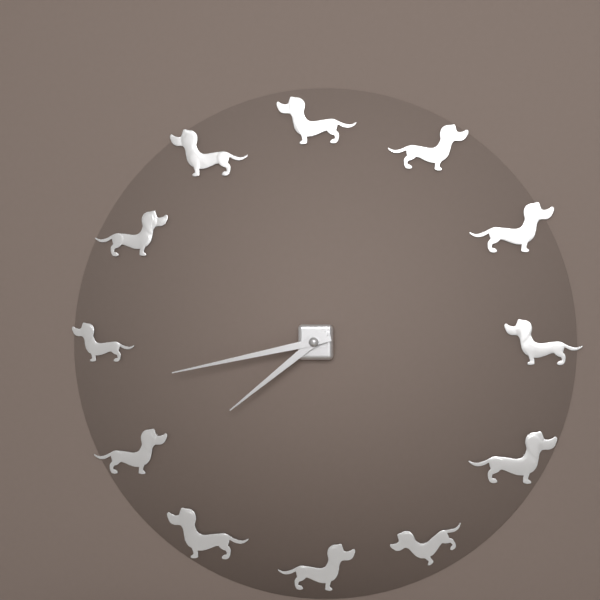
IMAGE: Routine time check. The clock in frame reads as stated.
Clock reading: 7:43
